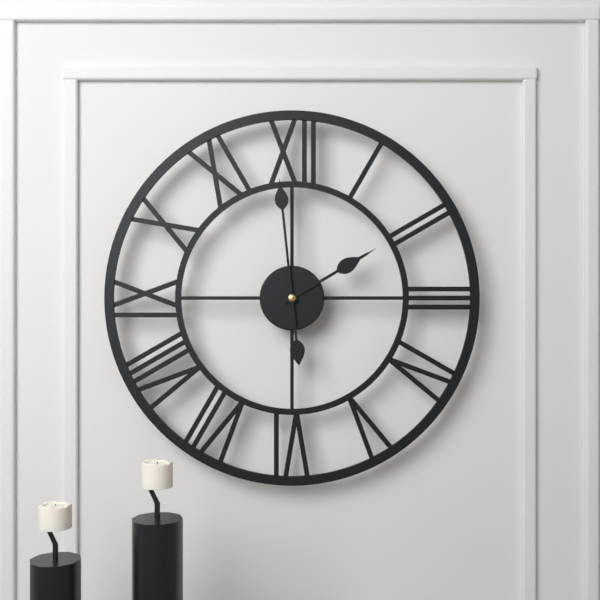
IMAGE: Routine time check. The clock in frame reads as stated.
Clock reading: 1:59
